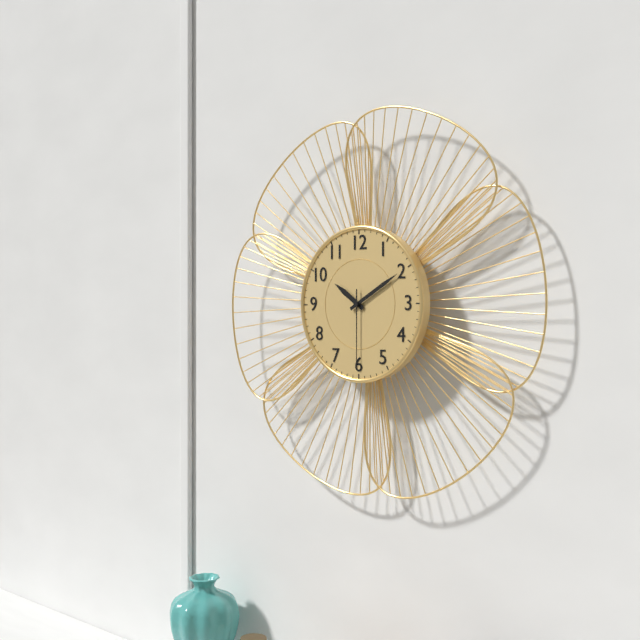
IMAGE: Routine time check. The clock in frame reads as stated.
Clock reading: 10:10:30
